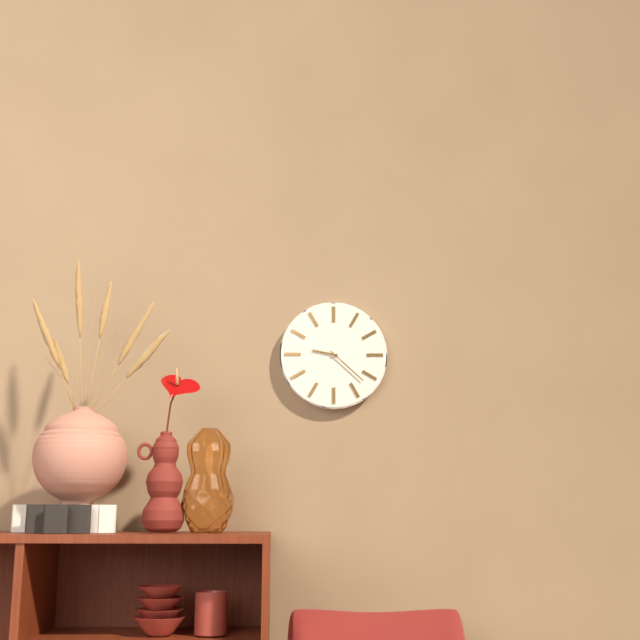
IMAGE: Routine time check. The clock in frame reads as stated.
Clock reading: 9:22
